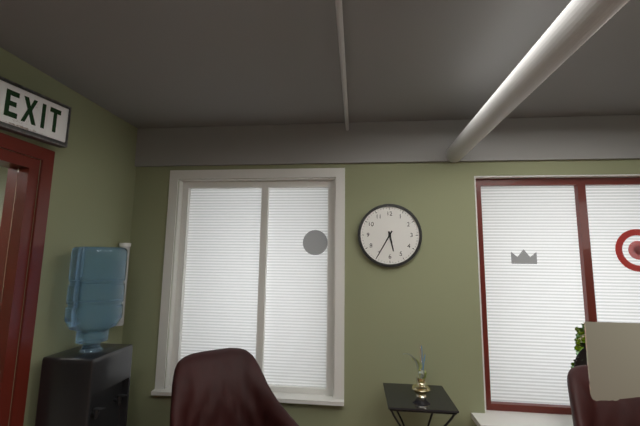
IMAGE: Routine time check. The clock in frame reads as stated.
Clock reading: 5:35
